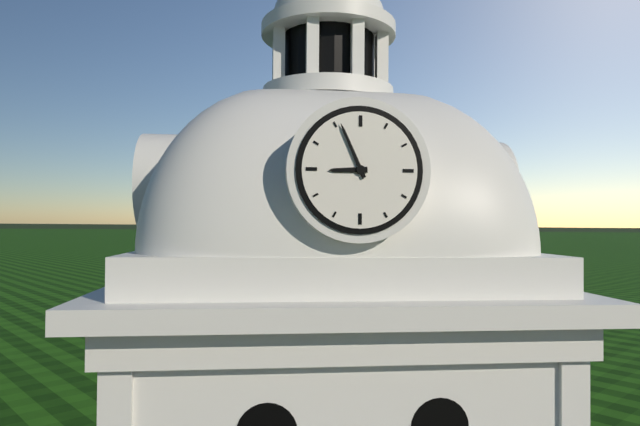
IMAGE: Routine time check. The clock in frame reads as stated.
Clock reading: 8:56
